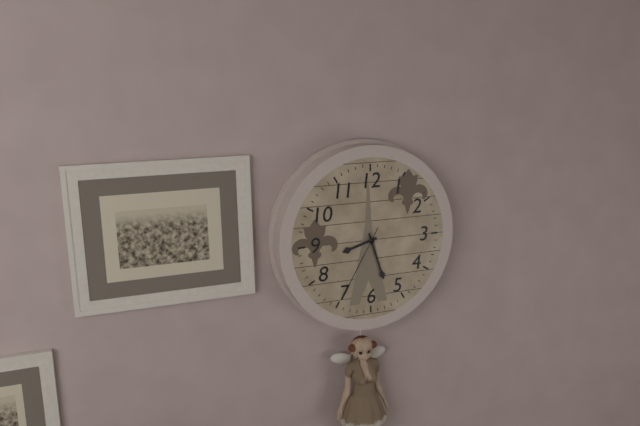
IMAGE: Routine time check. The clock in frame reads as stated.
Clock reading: 8:27:35
